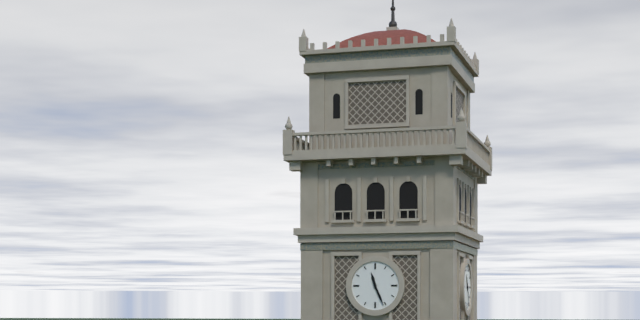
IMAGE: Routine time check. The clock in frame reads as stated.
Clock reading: 11:26
